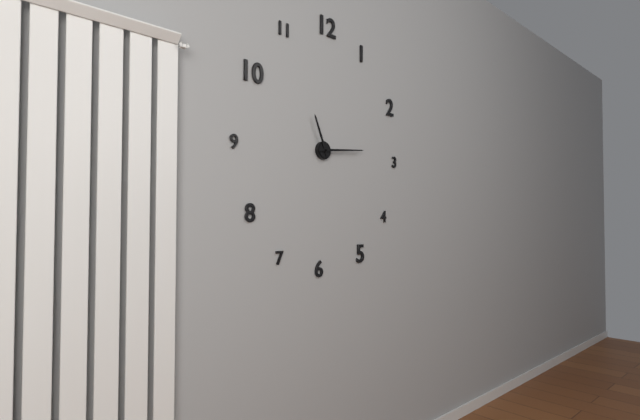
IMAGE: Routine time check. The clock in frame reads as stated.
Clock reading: 11:14
